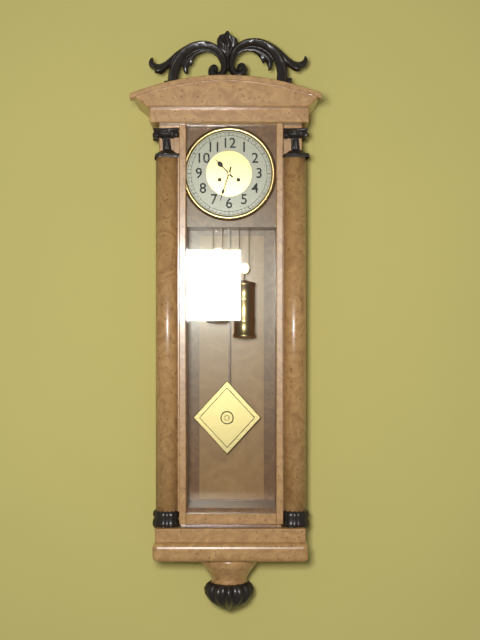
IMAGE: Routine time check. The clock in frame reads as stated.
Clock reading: 10:33
